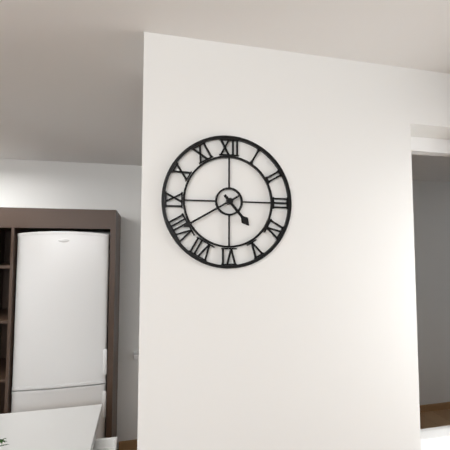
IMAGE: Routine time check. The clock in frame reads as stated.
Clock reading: 4:40
